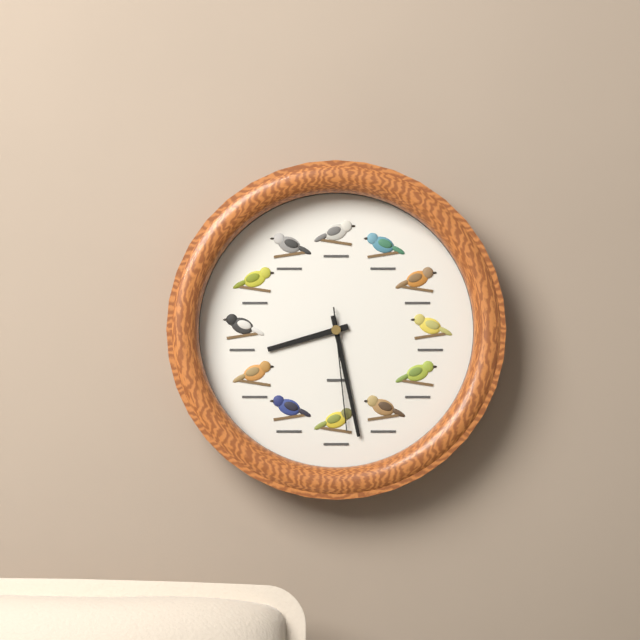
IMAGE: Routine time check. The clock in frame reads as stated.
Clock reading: 8:28:29
